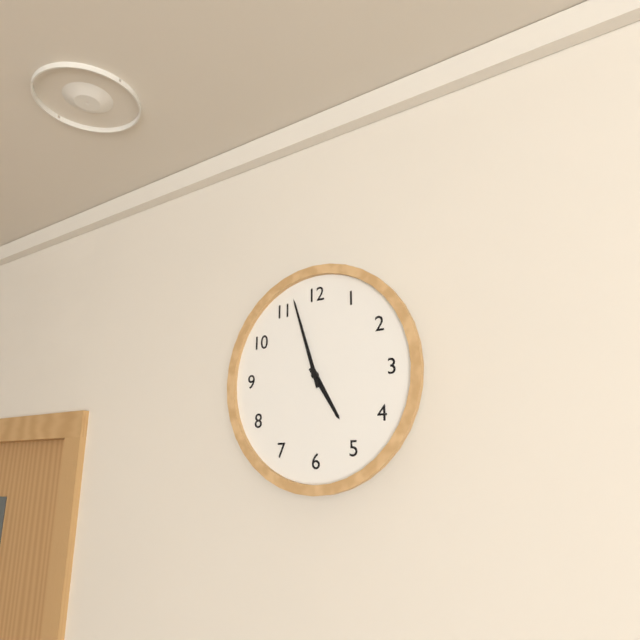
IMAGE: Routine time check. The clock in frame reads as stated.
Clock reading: 4:57
